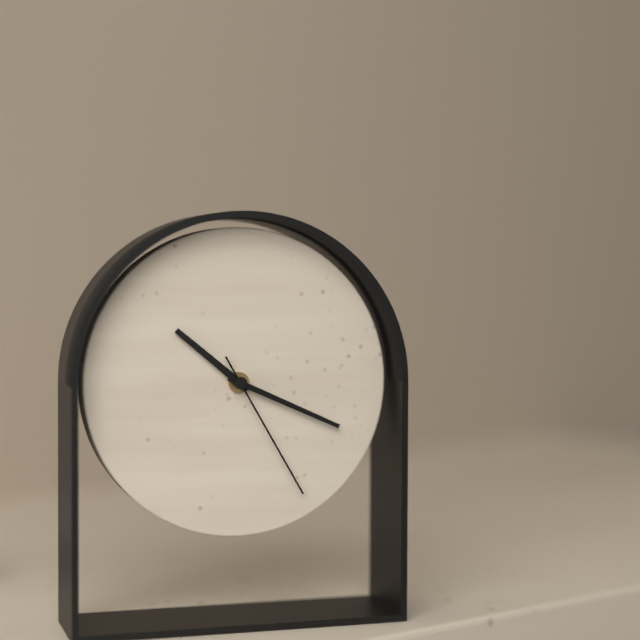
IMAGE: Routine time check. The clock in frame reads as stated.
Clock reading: 10:19:25
